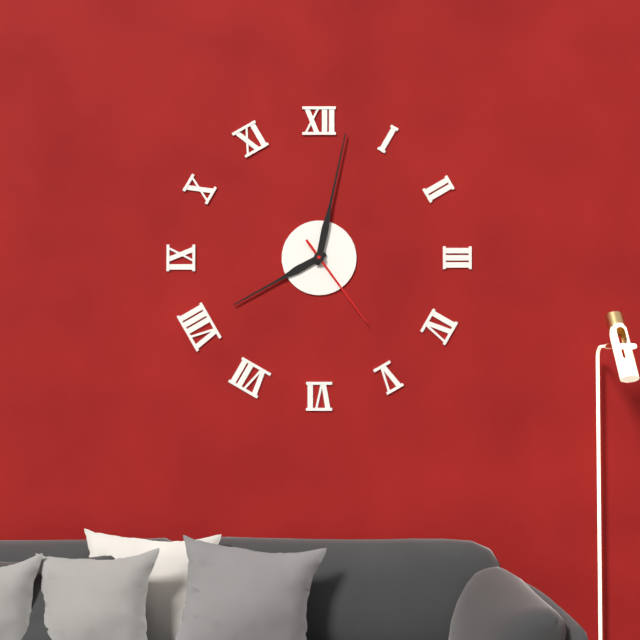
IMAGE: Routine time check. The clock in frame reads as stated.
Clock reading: 8:02:24
